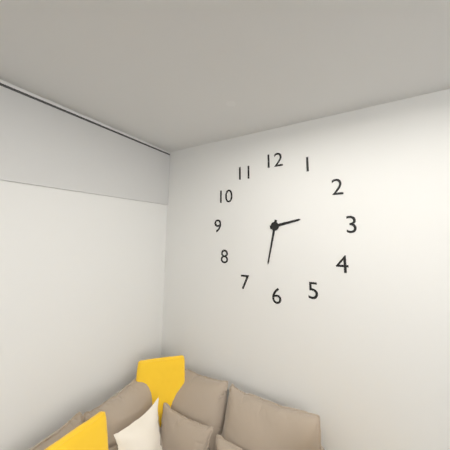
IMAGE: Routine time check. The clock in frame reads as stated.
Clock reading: 2:32
